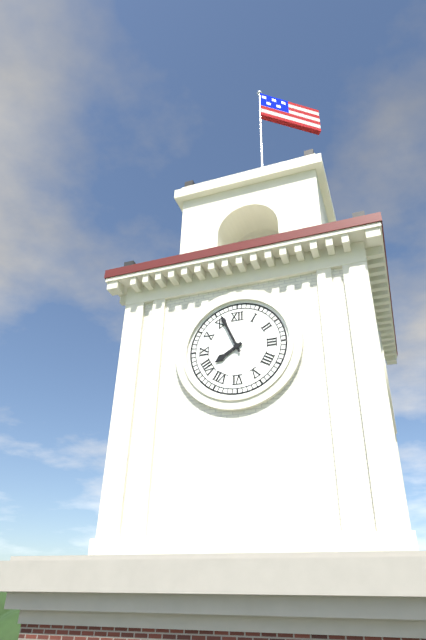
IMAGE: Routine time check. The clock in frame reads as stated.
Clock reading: 7:56
